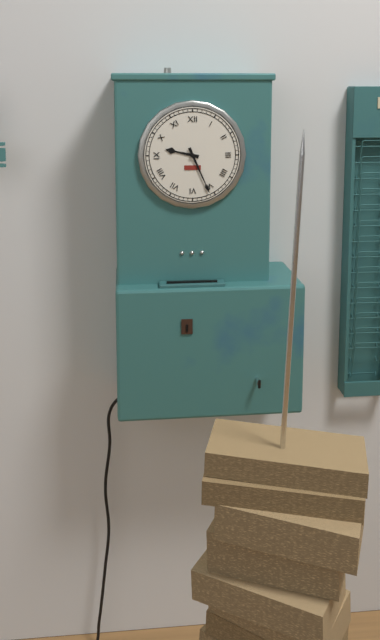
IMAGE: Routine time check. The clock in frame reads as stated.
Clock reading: 9:26
